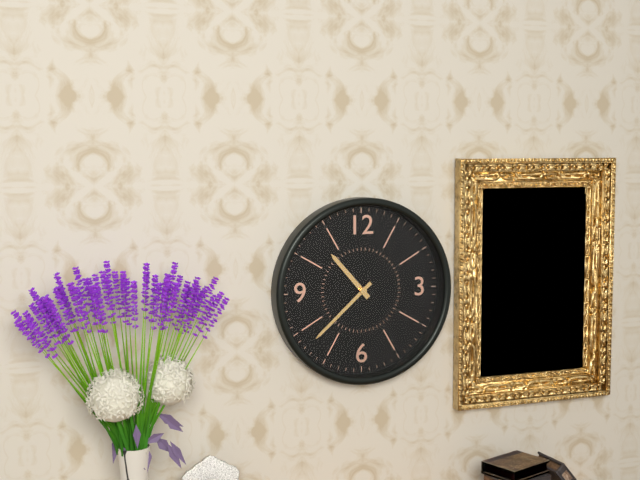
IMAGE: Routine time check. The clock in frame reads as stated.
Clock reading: 10:38
